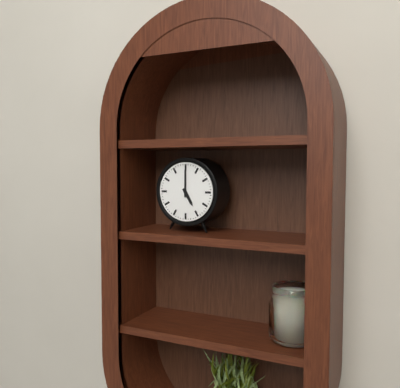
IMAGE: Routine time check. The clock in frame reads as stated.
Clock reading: 5:00
